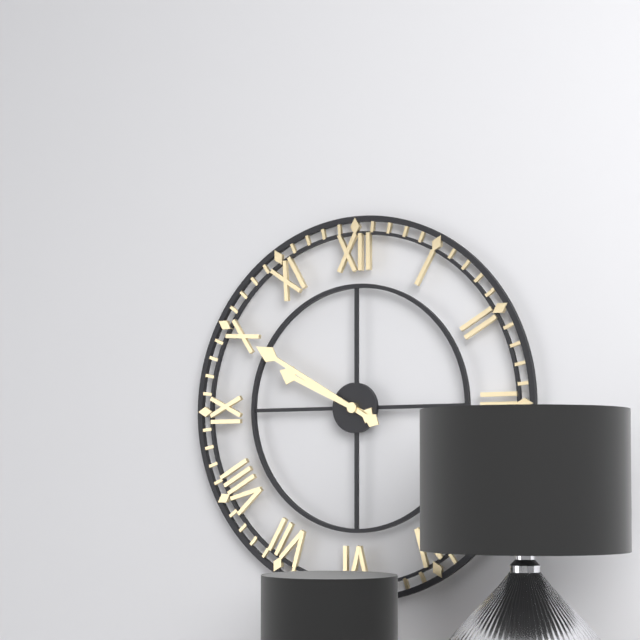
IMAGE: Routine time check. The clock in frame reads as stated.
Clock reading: 9:50
